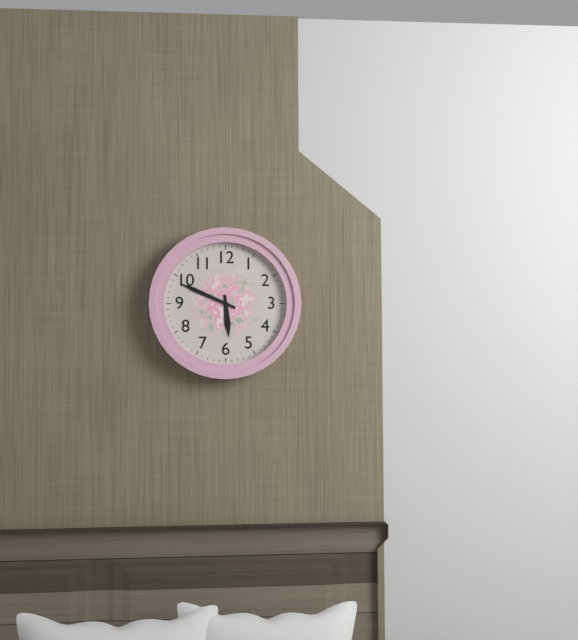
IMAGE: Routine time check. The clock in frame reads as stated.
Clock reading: 5:49
